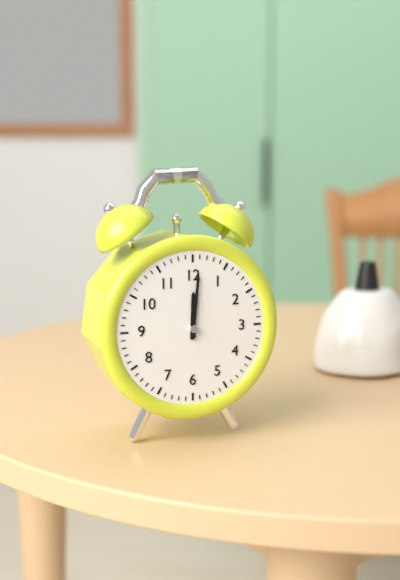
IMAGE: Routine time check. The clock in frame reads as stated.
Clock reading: 12:01
